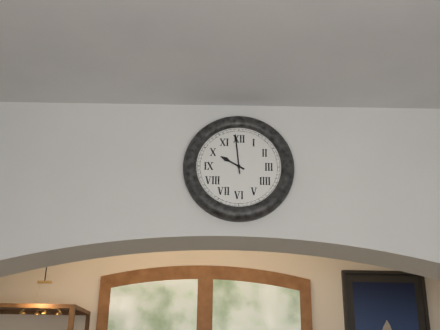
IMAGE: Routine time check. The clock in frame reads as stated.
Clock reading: 9:59
